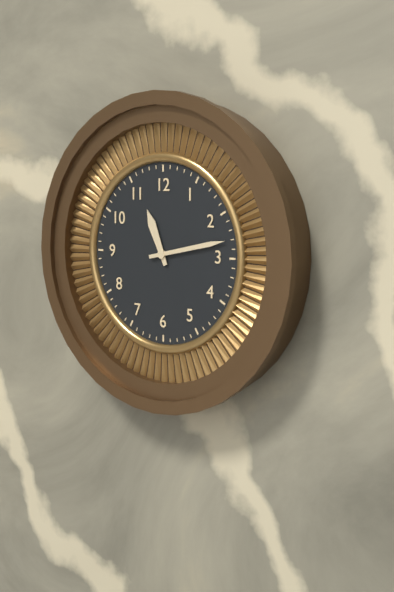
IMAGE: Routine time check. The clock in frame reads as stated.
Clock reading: 11:13
